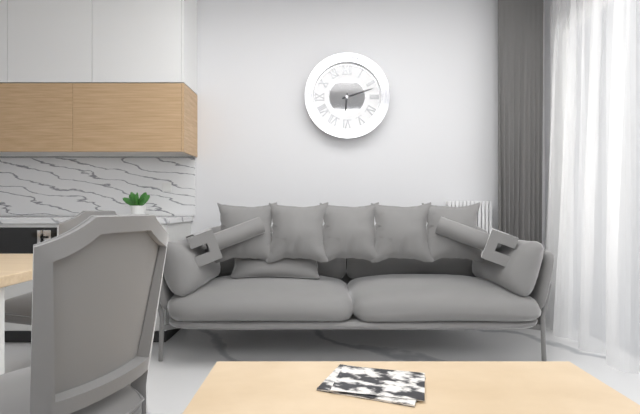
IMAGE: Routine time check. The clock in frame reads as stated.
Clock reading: 6:12
